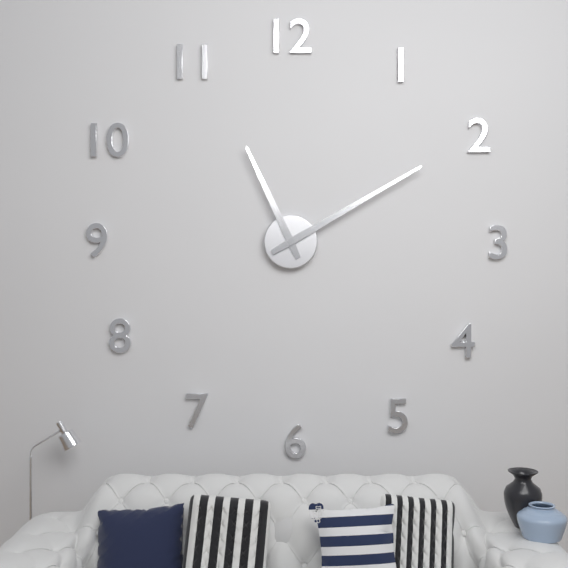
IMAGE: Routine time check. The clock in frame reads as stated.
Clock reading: 11:10
